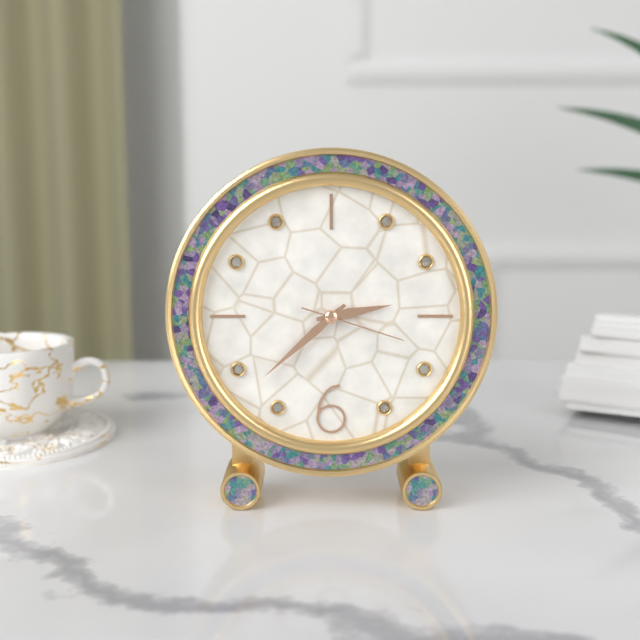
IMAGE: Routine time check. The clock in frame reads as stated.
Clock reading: 2:38:18
